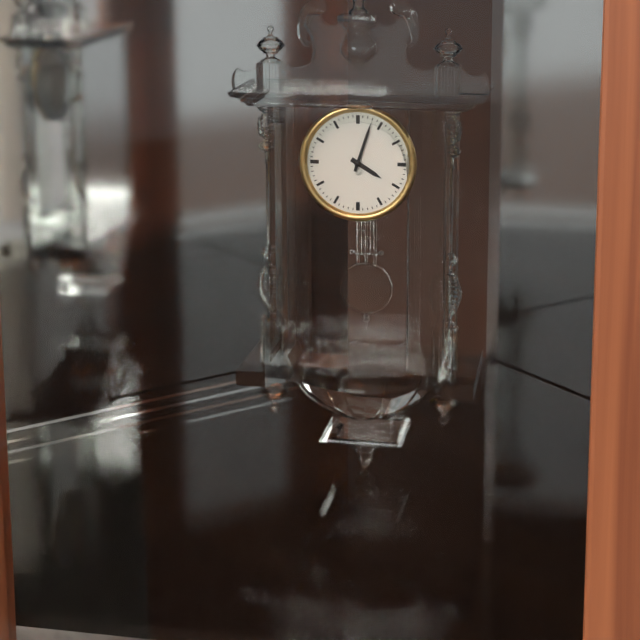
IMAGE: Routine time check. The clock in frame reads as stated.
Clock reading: 4:03
